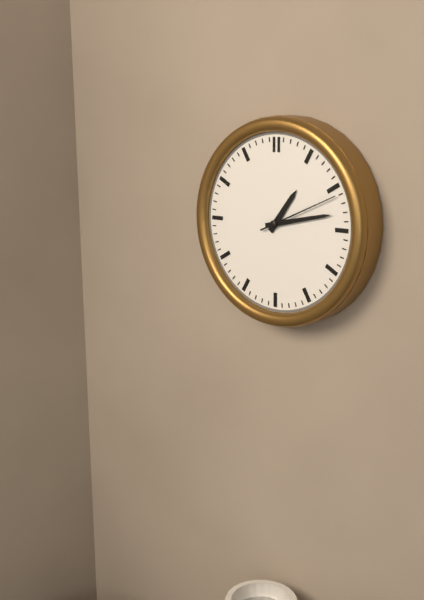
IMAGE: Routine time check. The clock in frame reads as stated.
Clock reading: 1:13:11
